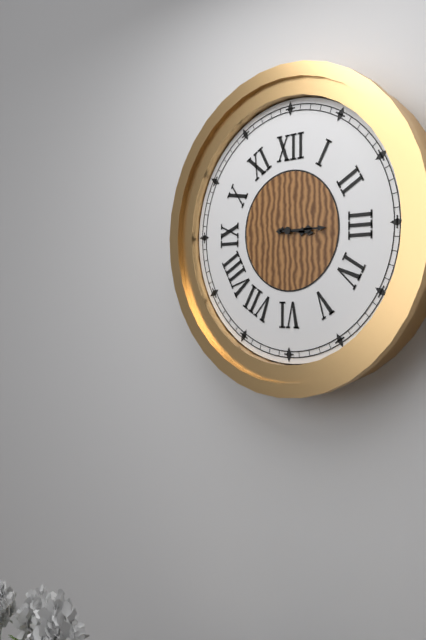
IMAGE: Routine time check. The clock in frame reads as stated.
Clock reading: 3:15
